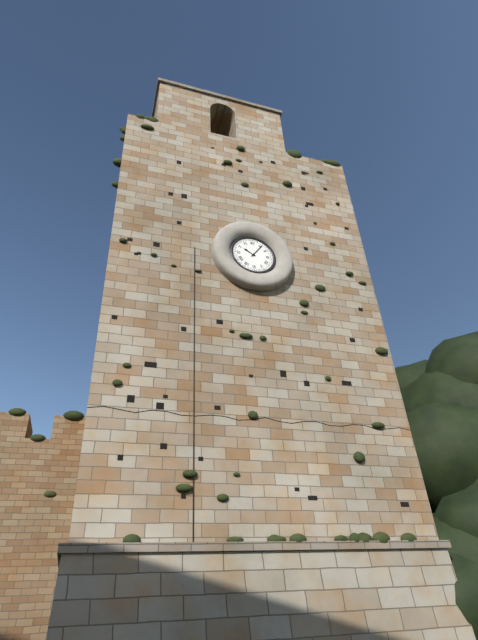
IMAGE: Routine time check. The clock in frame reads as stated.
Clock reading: 10:06
